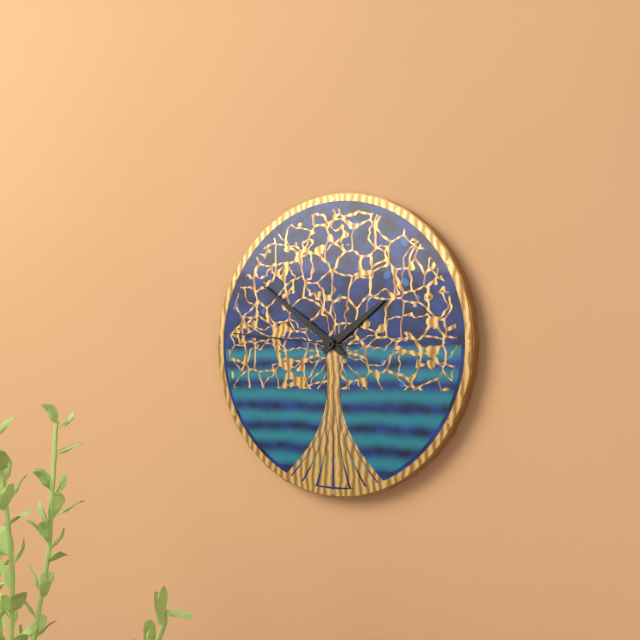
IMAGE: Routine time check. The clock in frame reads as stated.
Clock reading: 1:51:46
